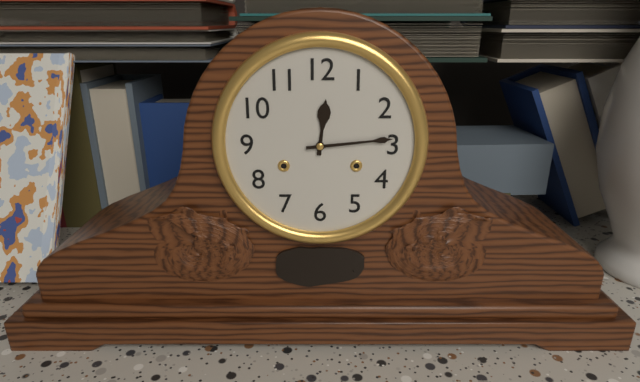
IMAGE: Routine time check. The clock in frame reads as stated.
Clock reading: 12:14
